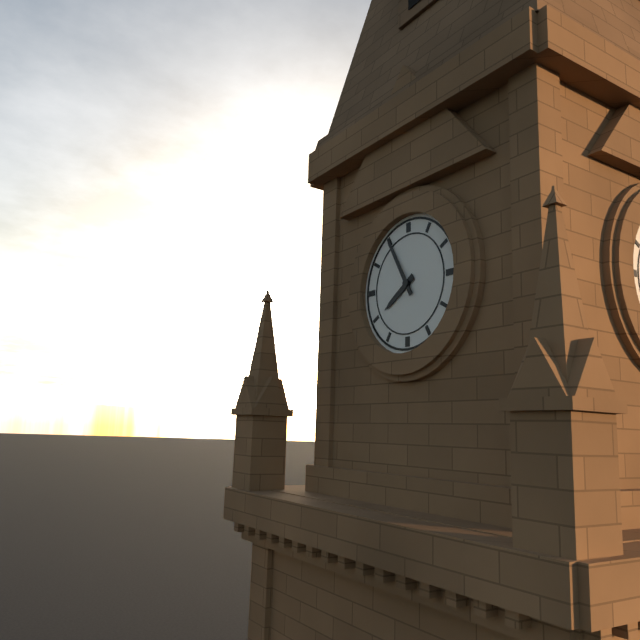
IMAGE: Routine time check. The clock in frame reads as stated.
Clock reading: 7:55
